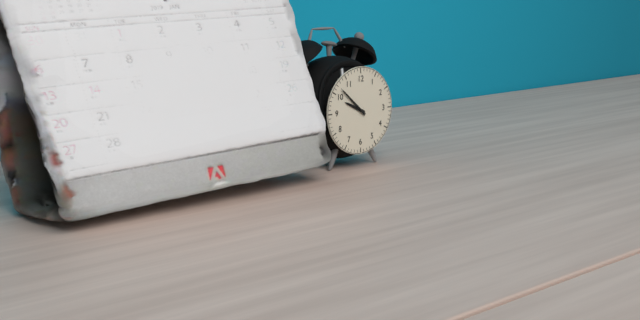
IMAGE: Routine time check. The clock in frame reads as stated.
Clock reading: 9:52
